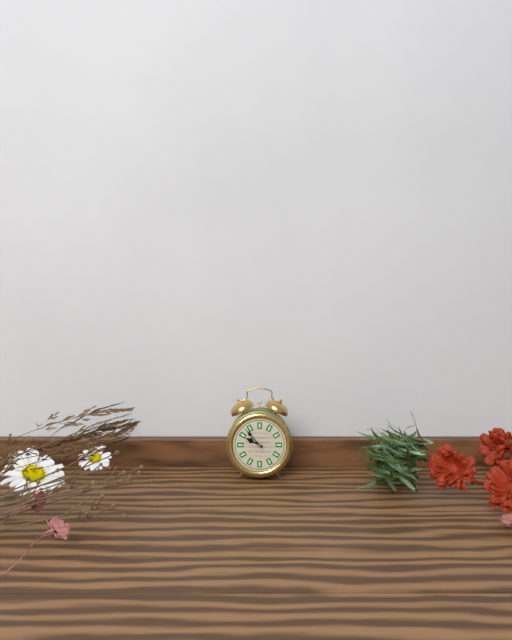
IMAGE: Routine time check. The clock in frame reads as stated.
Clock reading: 9:53
